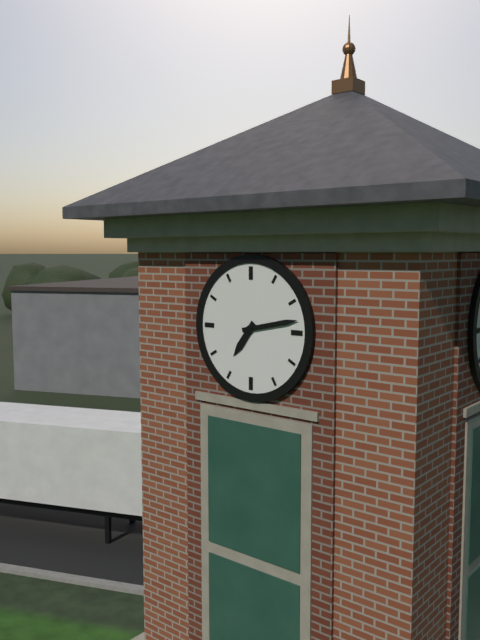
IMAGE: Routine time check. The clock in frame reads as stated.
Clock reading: 7:13
